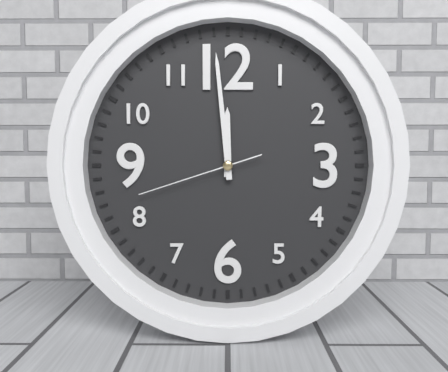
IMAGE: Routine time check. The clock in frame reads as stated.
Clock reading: 11:59:42
